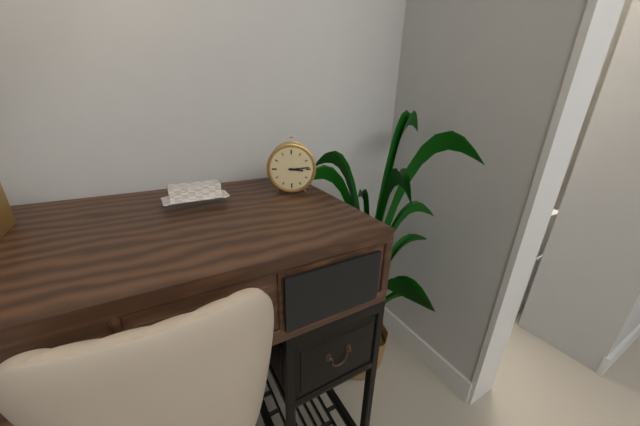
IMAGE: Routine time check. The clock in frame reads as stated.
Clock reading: 3:14
